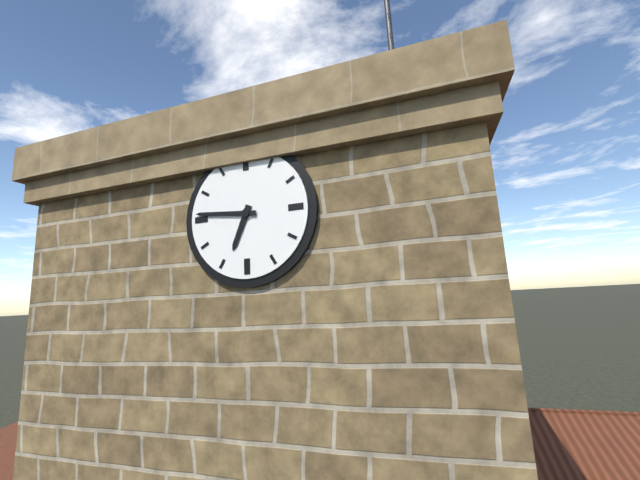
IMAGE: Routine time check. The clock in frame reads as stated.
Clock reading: 6:46
